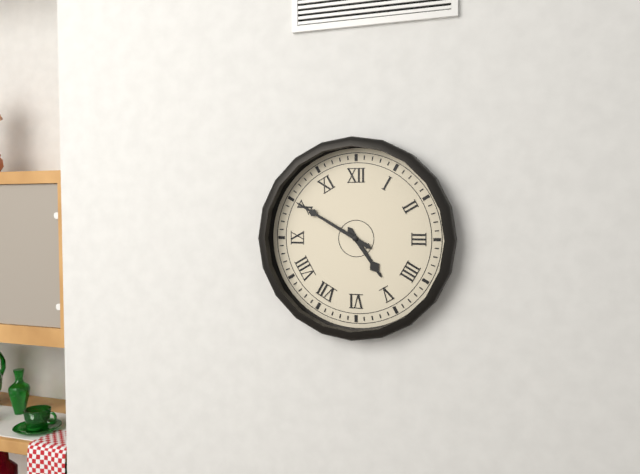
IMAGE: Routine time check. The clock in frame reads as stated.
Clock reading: 4:50
